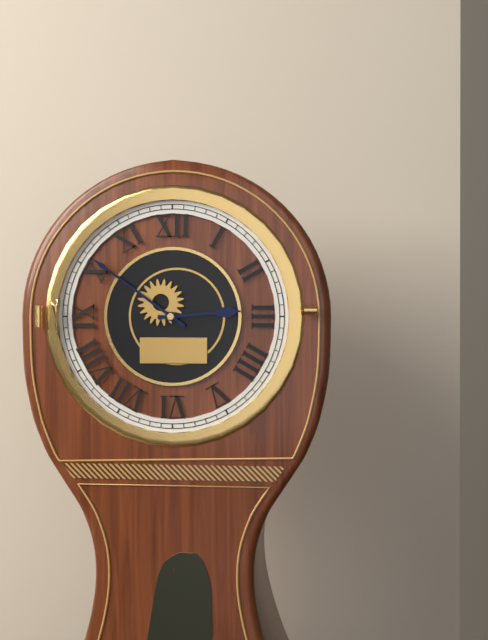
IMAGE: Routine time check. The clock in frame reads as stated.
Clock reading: 2:51
